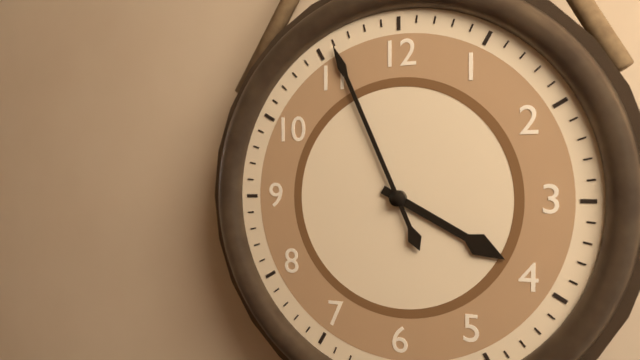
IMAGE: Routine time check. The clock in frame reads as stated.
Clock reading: 3:56
